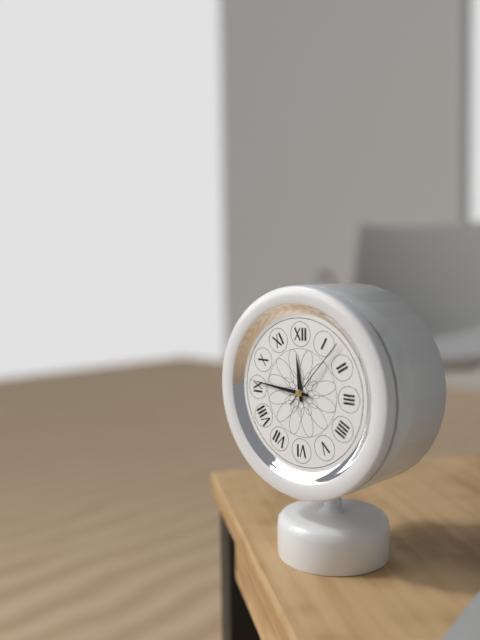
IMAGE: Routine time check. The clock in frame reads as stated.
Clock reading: 11:46:07
